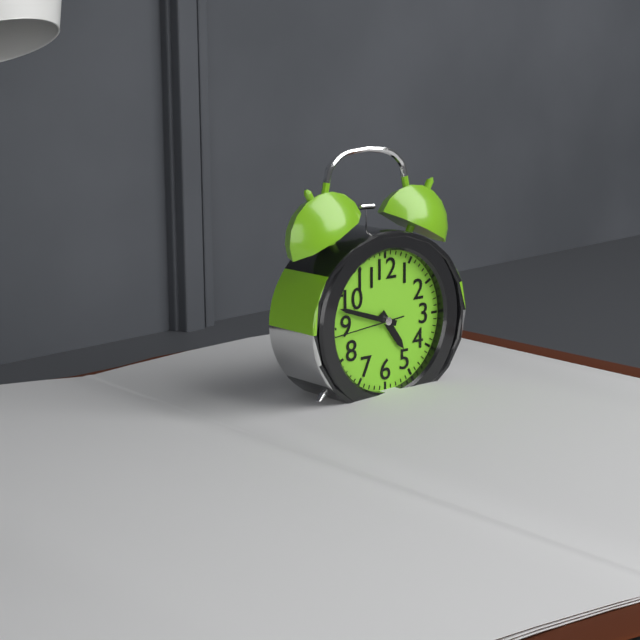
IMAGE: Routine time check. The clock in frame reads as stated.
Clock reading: 4:48:44
